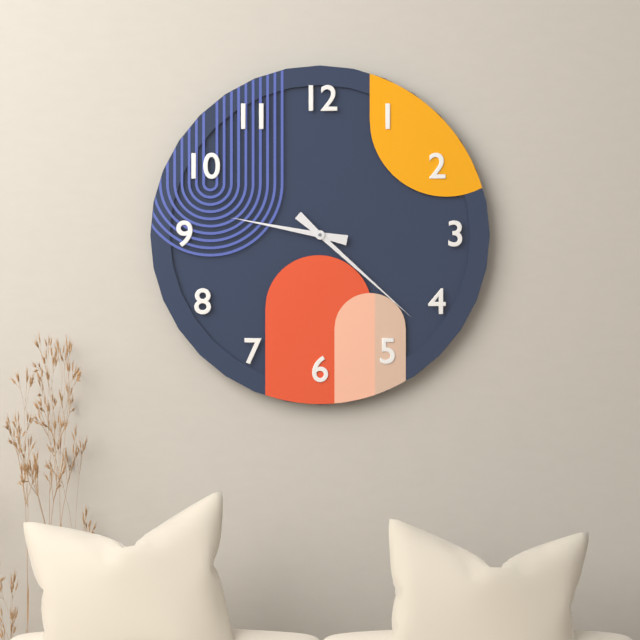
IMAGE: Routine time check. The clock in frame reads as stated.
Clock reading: 9:22
